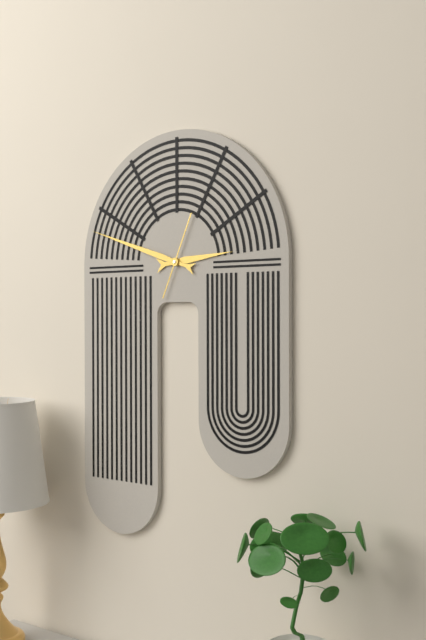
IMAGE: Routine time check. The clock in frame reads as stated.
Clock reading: 2:48:04
